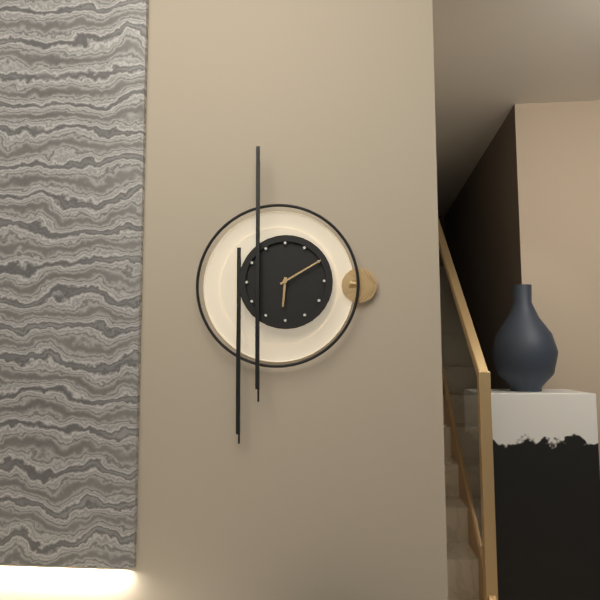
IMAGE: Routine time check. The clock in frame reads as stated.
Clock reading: 6:10
